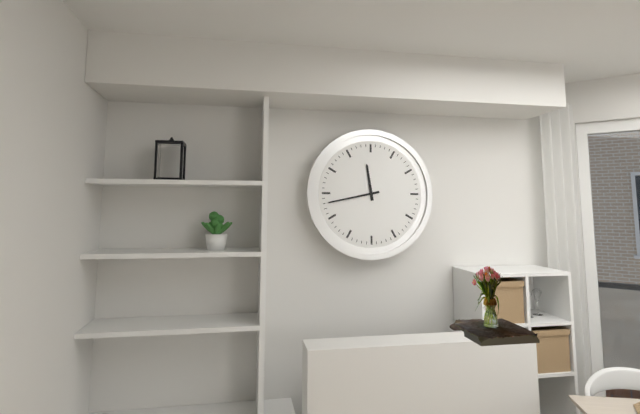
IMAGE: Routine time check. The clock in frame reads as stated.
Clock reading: 11:43
